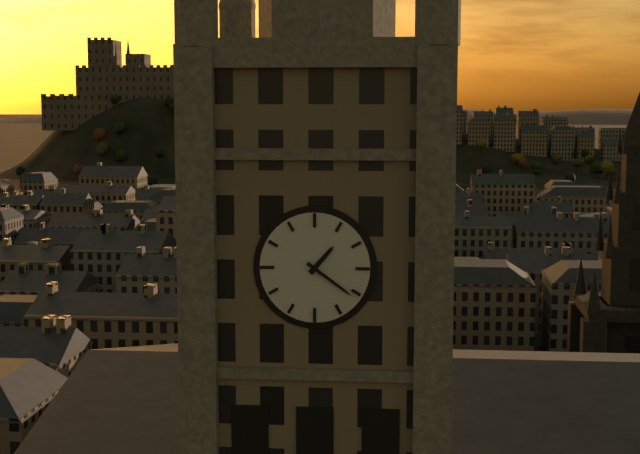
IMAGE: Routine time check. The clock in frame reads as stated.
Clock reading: 1:21
